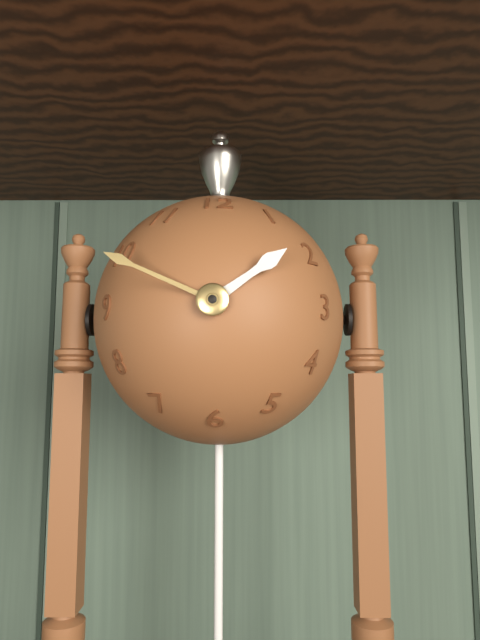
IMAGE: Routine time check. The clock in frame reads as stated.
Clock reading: 1:49
